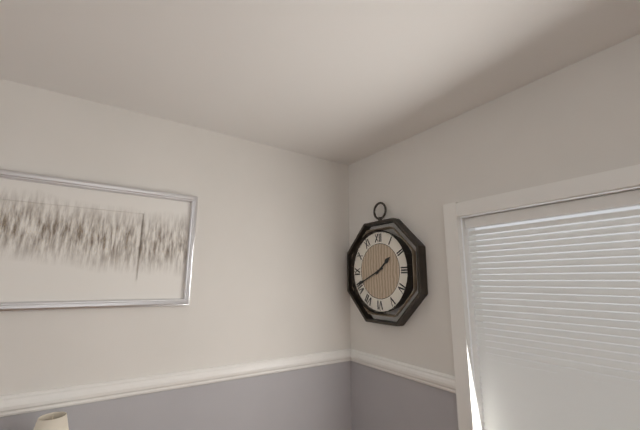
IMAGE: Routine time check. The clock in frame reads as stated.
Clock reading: 1:41
